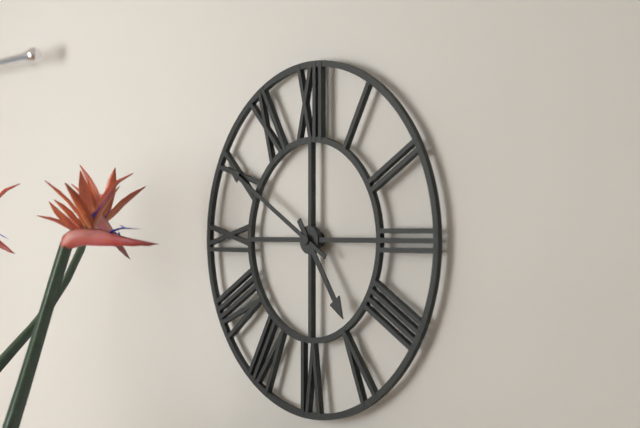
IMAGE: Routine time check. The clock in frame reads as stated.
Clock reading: 4:50
